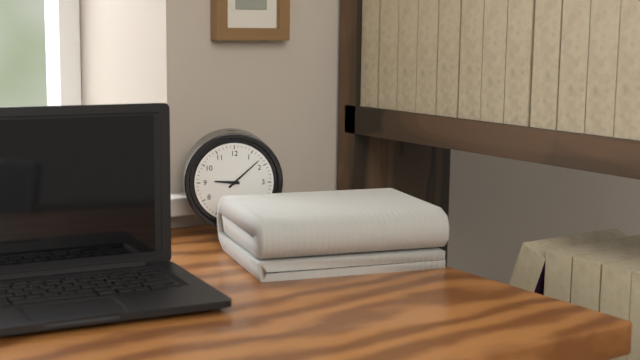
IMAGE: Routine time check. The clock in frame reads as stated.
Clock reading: 9:08
